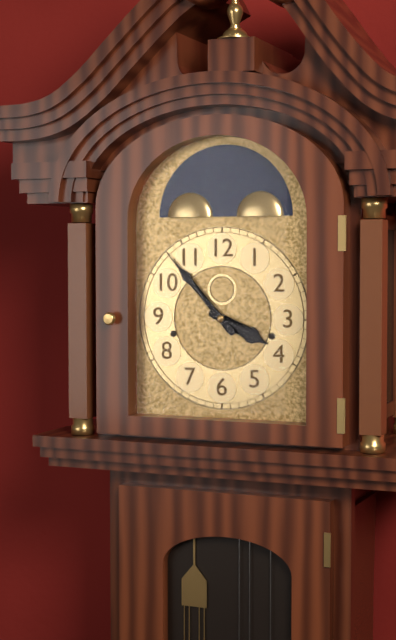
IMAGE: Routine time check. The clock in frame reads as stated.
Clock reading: 3:53
